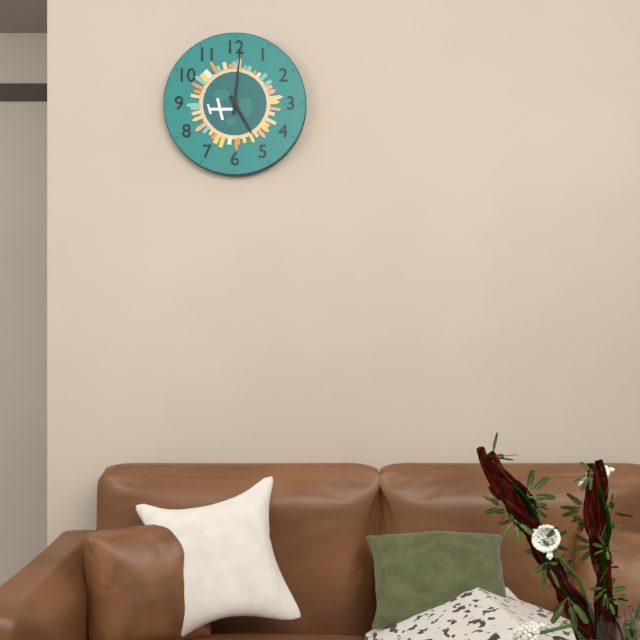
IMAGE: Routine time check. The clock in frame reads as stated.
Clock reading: 5:01
